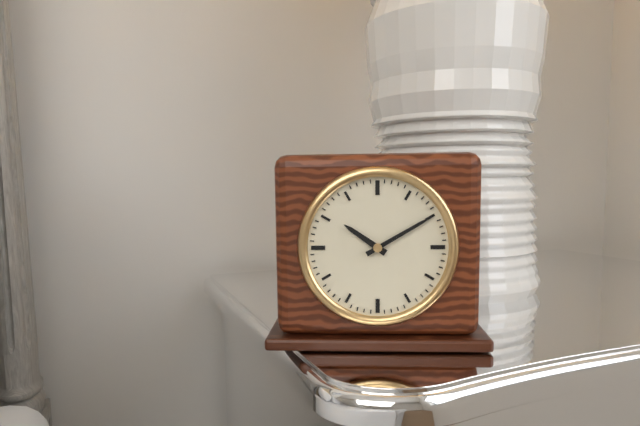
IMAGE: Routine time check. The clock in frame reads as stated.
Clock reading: 10:10
